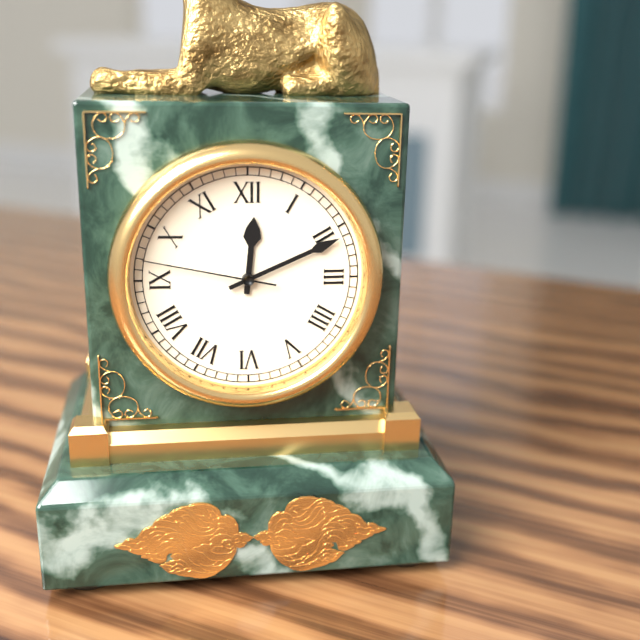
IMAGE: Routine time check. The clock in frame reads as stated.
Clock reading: 12:11:47
